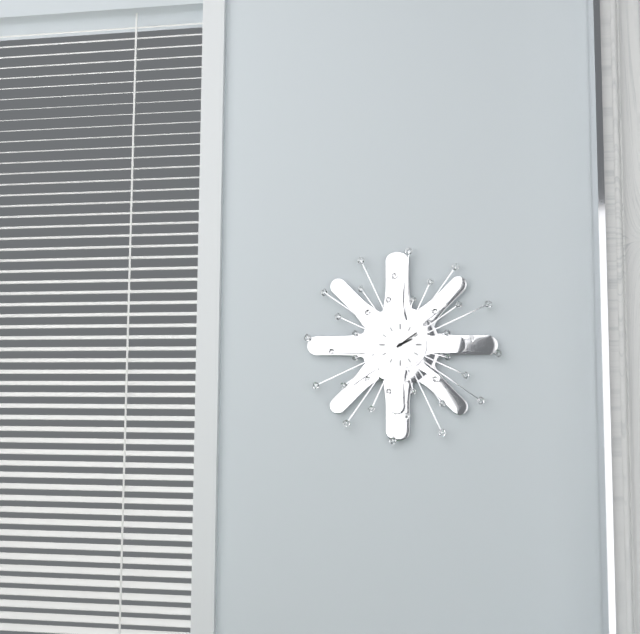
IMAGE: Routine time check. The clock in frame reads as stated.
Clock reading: 2:09
